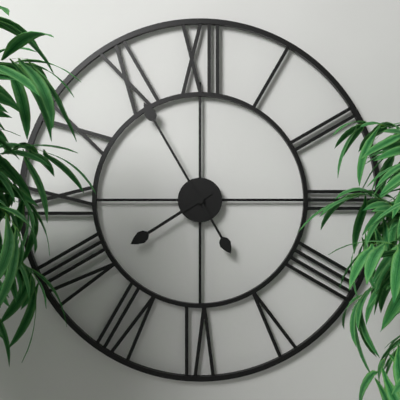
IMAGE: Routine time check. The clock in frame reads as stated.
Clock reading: 7:55
